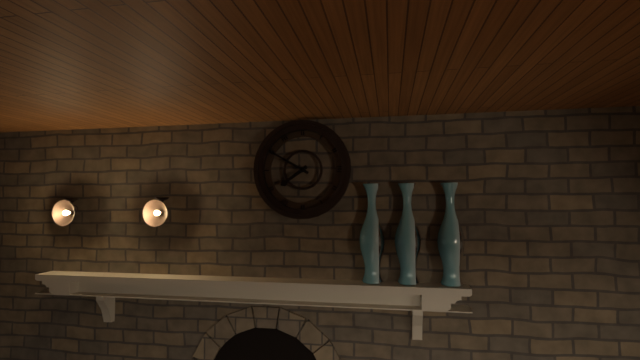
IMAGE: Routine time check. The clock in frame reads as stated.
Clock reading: 7:50
